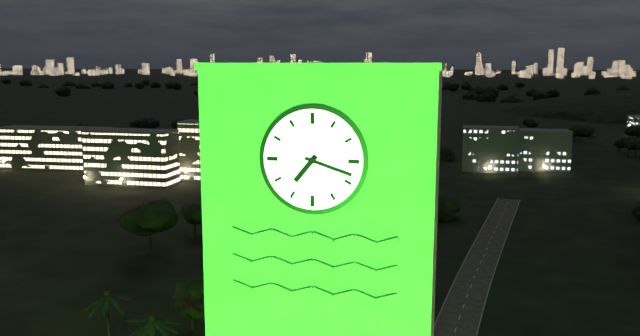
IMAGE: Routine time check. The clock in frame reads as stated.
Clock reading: 7:18
